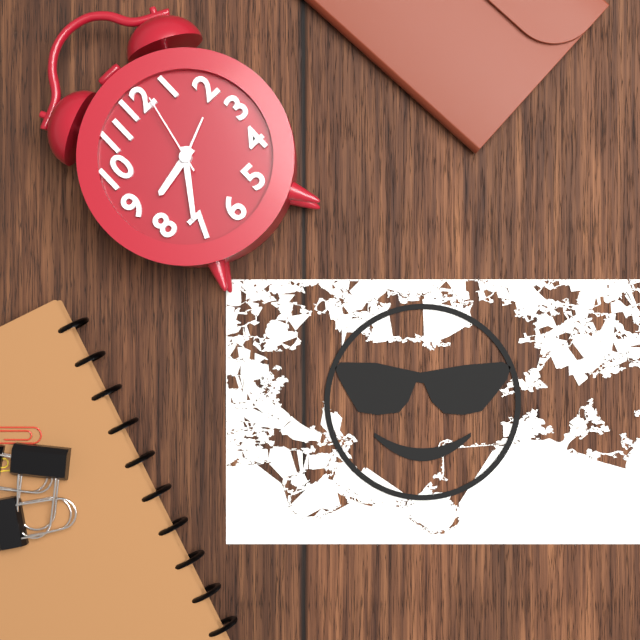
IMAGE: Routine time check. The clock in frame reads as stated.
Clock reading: 8:36:02
